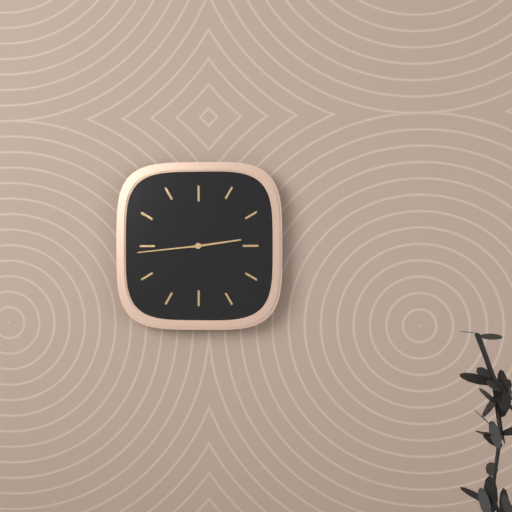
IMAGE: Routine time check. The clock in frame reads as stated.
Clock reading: 2:44
